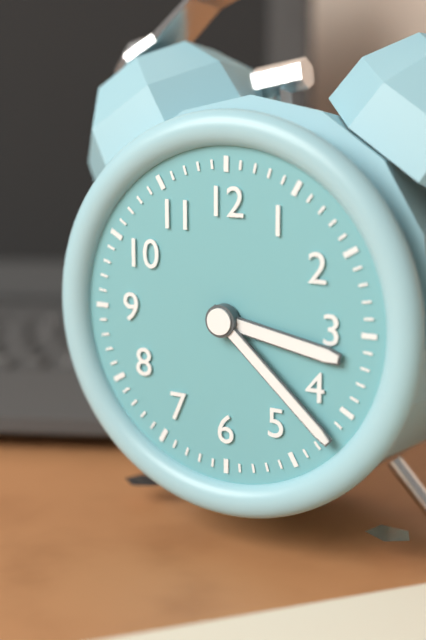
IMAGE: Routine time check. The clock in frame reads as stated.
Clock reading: 3:22
